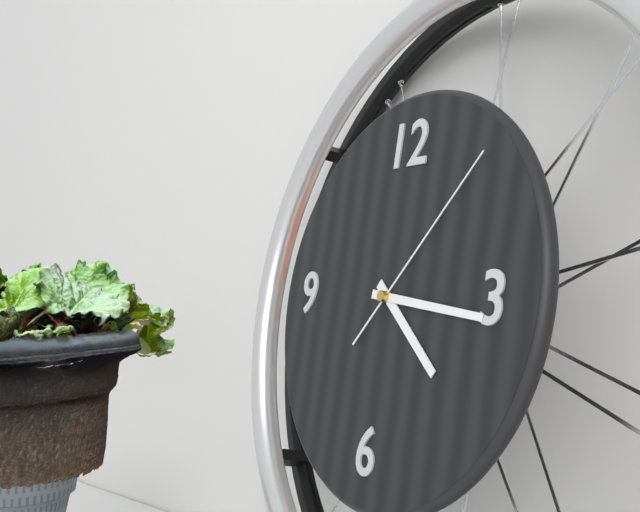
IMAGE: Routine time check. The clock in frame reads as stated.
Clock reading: 4:16:07
